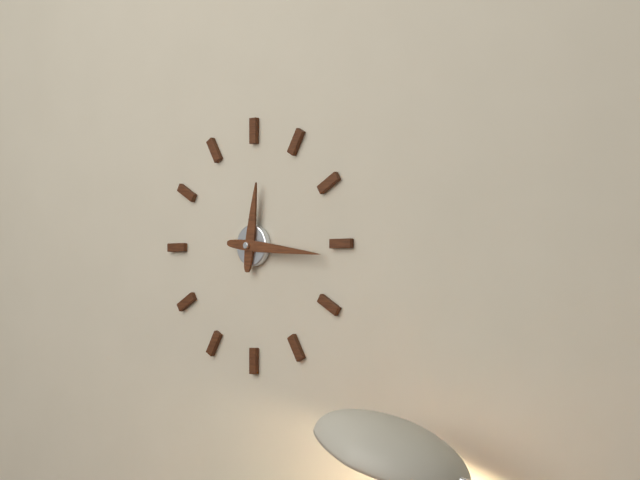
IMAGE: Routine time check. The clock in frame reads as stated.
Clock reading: 12:16
